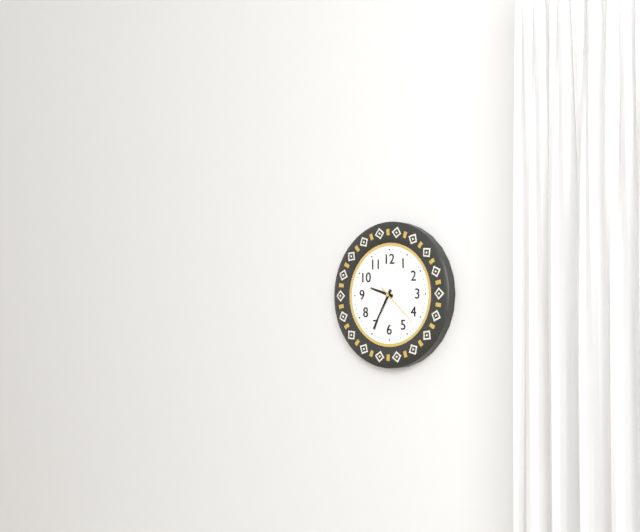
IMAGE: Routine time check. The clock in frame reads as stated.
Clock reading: 9:35
